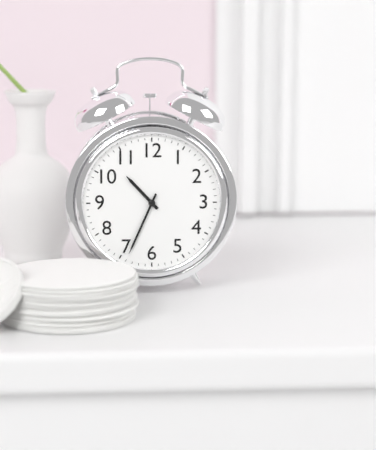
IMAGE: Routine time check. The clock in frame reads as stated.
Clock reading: 10:34
